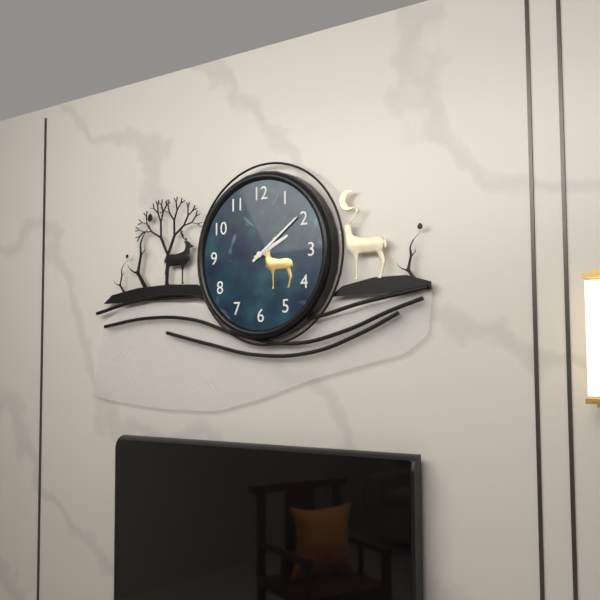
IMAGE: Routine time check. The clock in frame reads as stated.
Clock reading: 2:09
